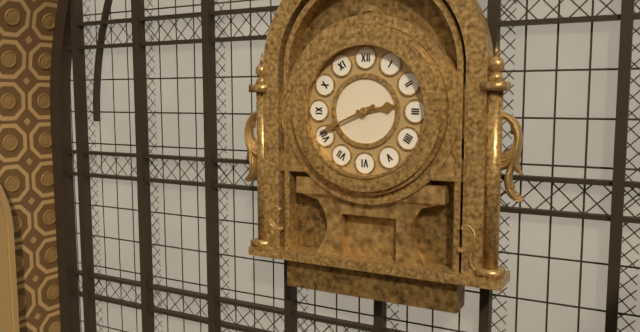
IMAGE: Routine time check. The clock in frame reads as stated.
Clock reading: 2:41
